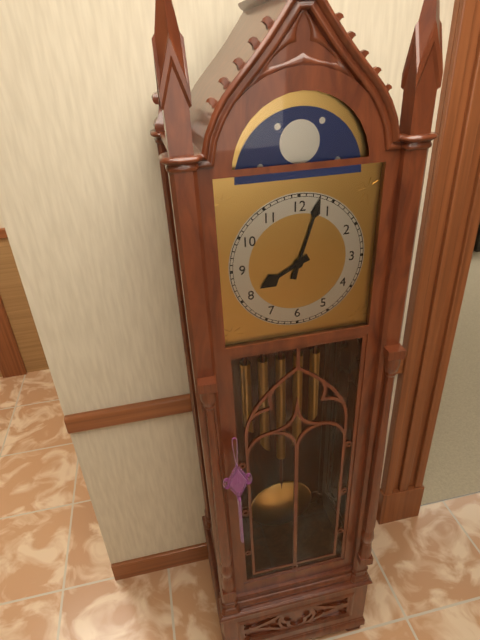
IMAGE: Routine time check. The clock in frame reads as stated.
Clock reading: 8:03
